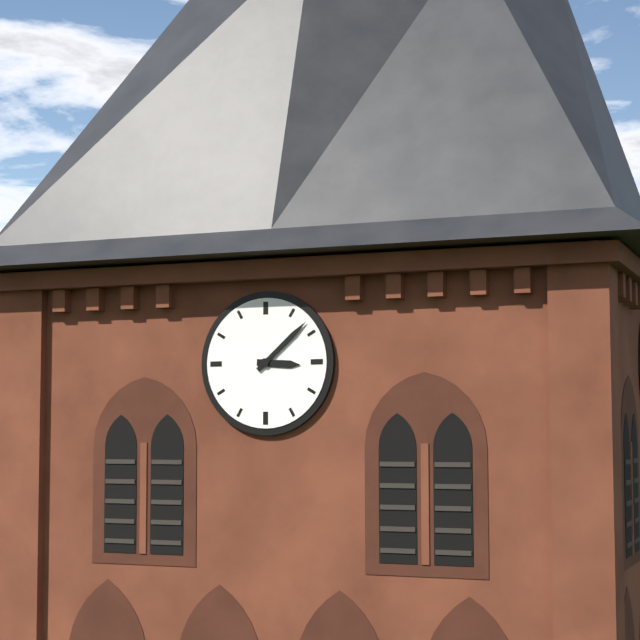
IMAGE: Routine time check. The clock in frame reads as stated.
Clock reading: 3:08
